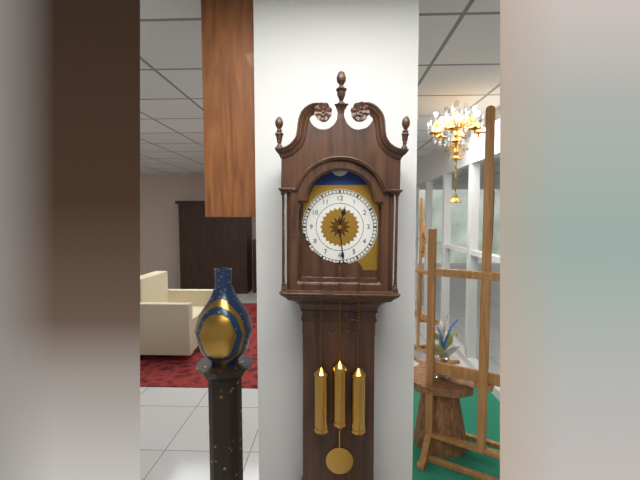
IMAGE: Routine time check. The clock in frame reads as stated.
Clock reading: 12:29
